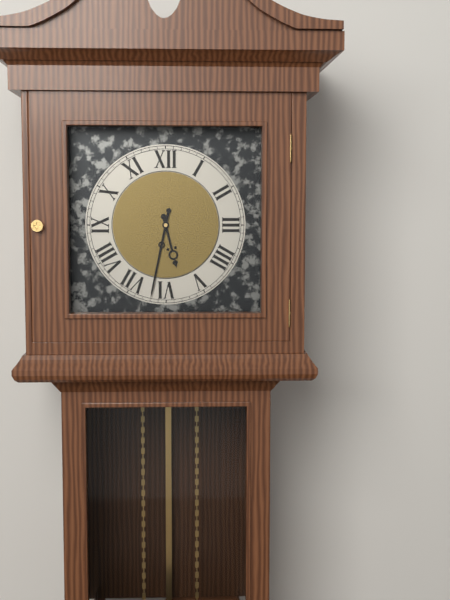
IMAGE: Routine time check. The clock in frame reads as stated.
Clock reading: 5:32
